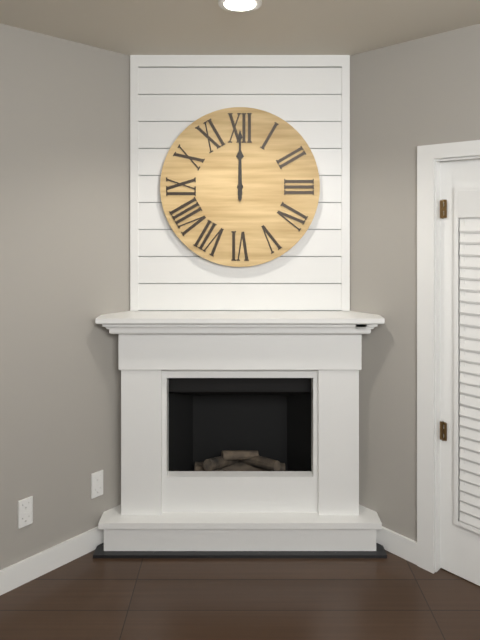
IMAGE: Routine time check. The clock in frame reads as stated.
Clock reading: 12:00
